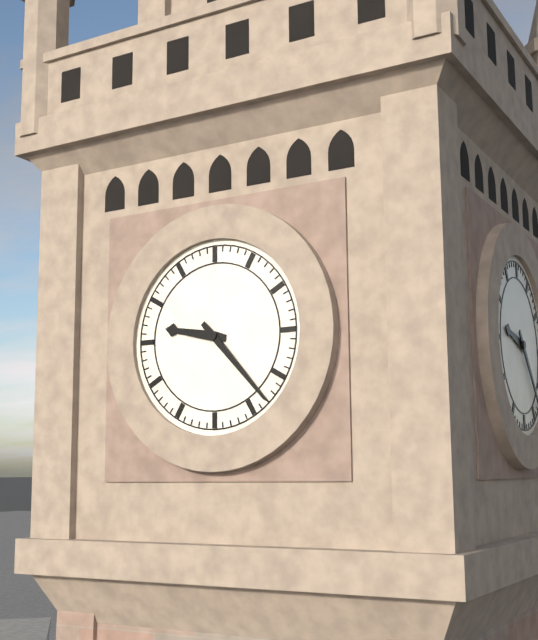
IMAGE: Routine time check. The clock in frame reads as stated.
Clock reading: 9:23
